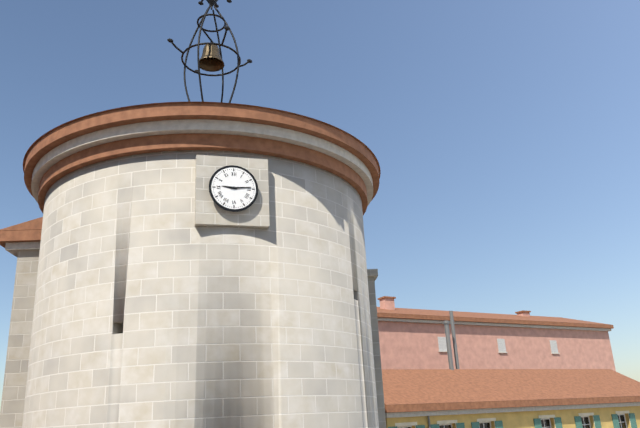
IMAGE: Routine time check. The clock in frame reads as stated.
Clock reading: 9:14
